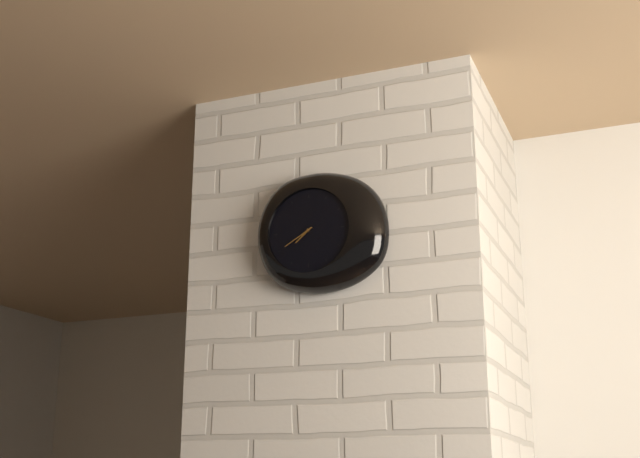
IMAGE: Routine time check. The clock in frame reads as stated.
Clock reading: 7:40
